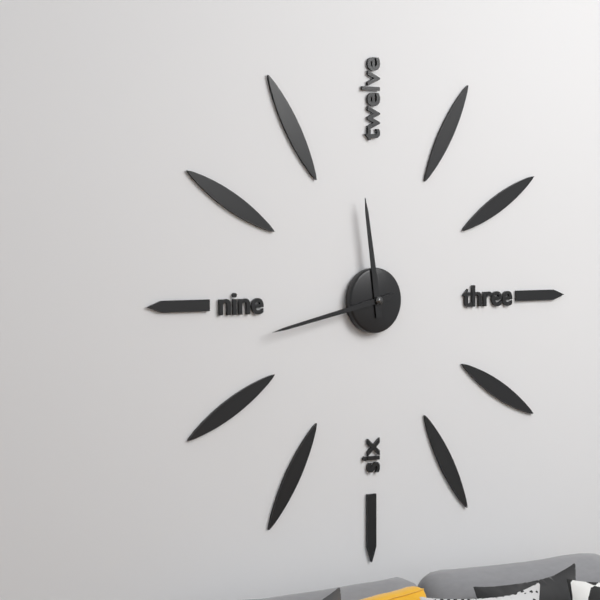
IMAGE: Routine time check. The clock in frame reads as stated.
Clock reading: 11:43
